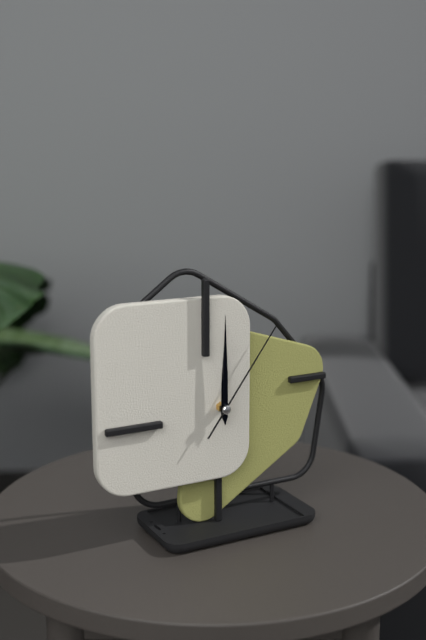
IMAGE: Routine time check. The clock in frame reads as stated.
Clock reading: 12:00:06
